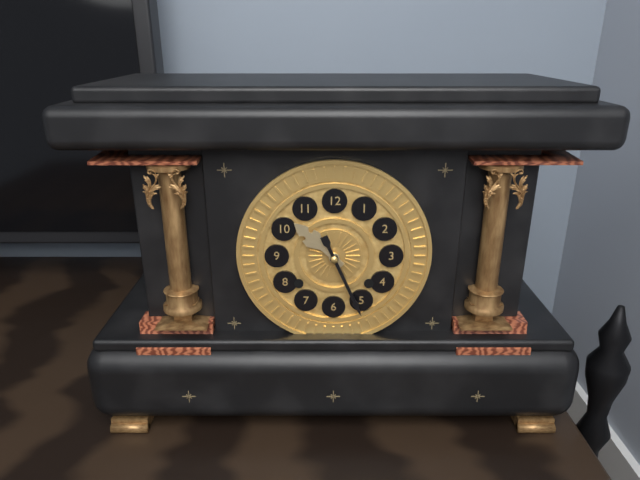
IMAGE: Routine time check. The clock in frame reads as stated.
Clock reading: 10:26
